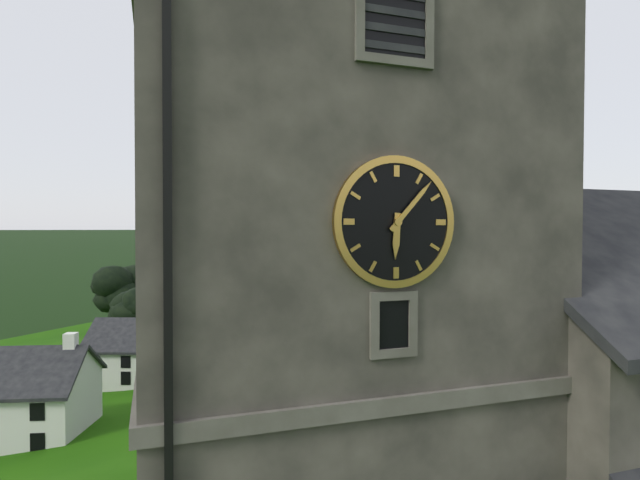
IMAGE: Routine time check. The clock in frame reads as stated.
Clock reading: 6:07
